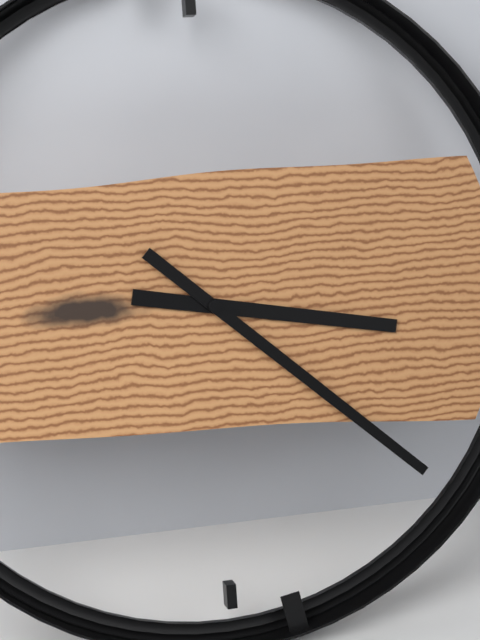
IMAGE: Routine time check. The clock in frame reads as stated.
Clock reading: 3:22
